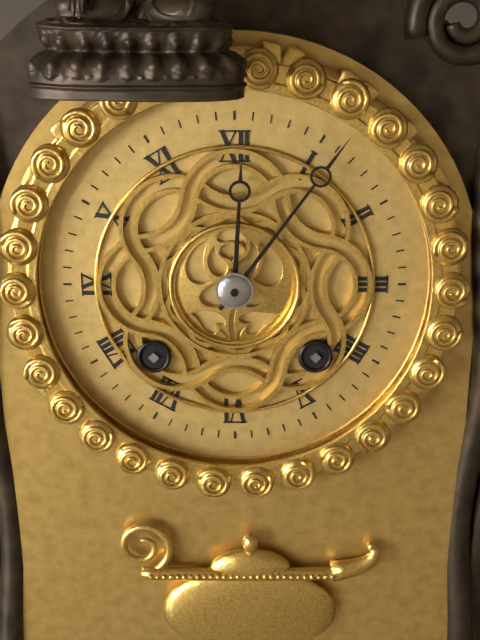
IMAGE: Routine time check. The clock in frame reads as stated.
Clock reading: 12:06
